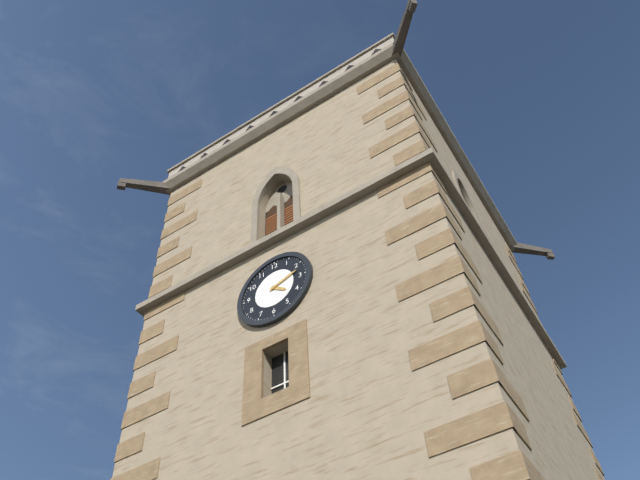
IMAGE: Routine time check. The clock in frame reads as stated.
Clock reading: 4:12
